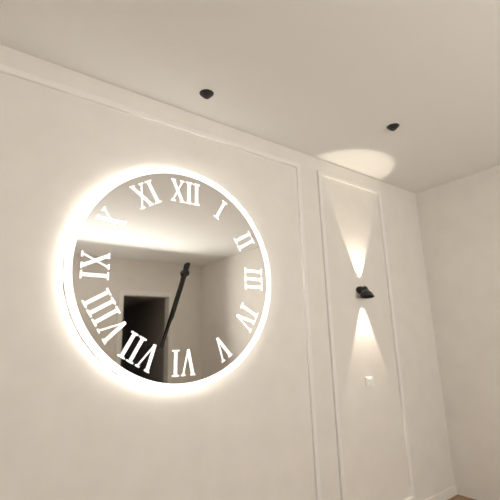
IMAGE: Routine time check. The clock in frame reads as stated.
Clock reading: 6:33
